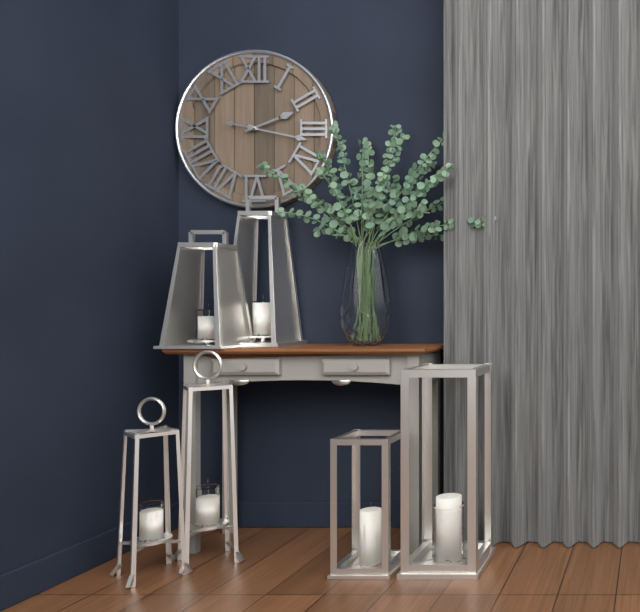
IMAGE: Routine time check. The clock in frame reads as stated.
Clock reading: 2:17
